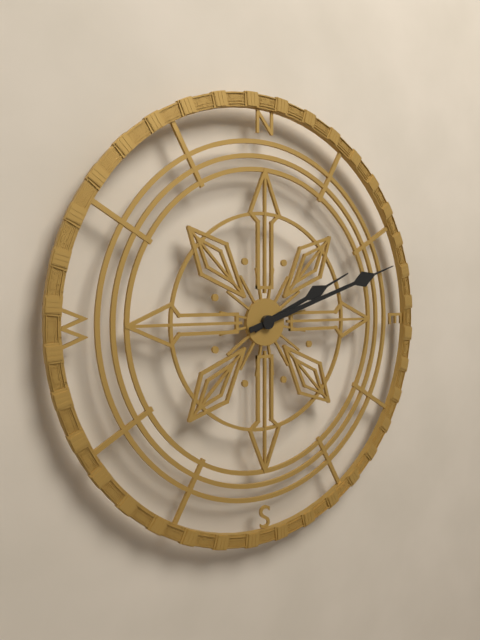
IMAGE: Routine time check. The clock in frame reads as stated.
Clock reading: 2:12
